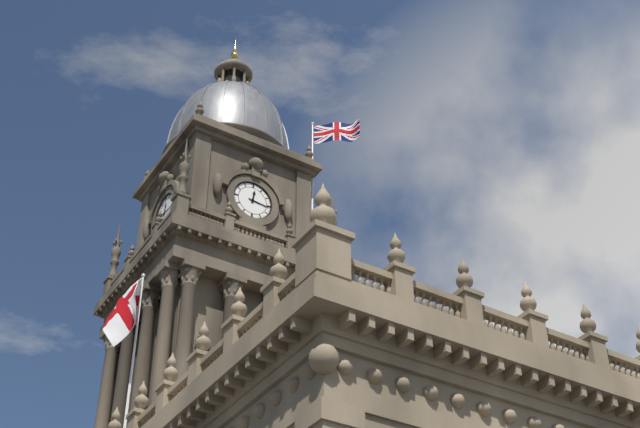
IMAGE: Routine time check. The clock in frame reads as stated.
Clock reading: 12:16
